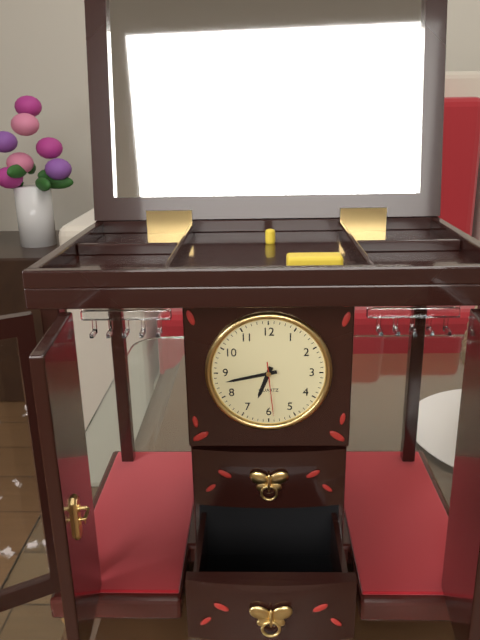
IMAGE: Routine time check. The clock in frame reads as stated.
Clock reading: 6:43:29
